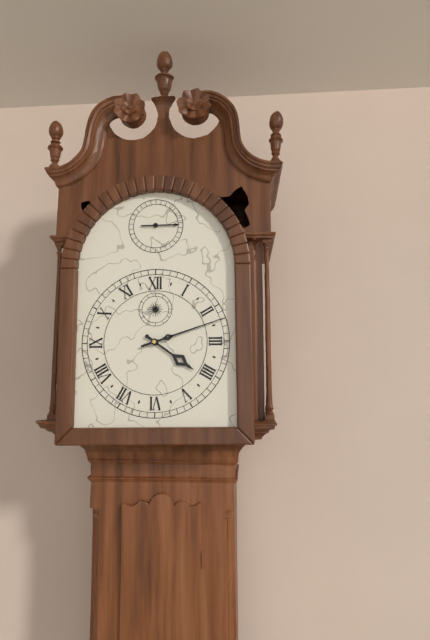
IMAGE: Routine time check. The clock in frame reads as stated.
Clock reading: 4:12
